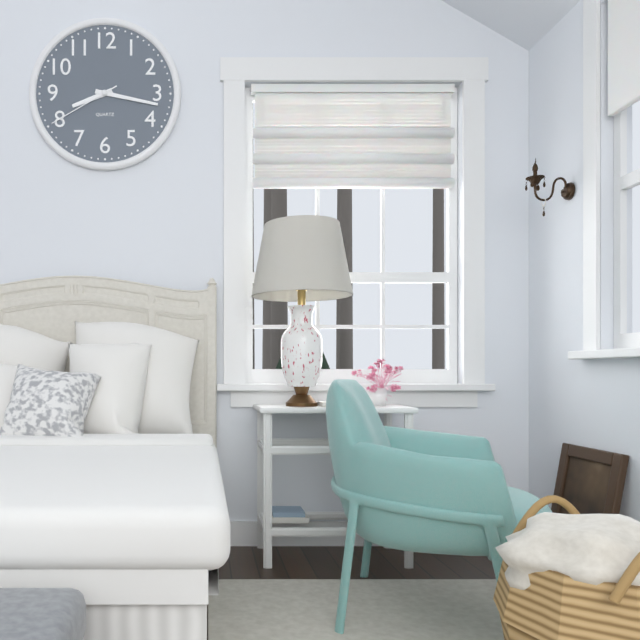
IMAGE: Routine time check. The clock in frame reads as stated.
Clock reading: 8:17:40
